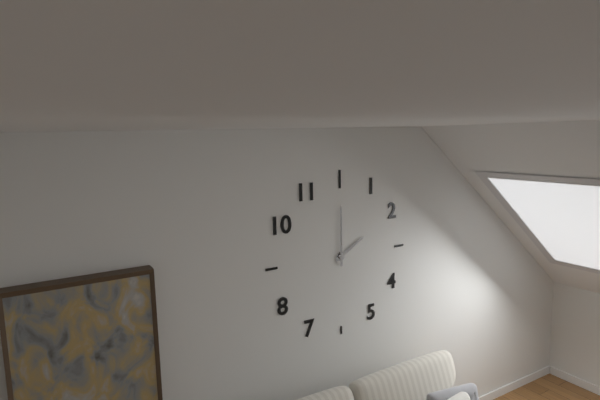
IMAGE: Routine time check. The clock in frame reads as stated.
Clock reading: 2:00
